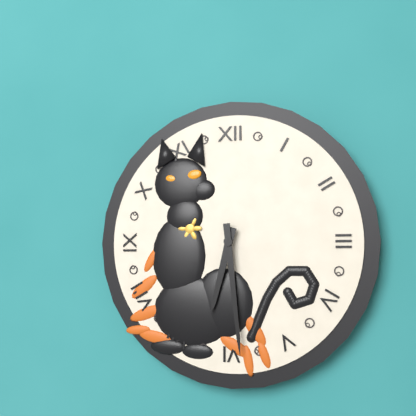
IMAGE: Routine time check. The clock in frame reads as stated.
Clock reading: 6:29
